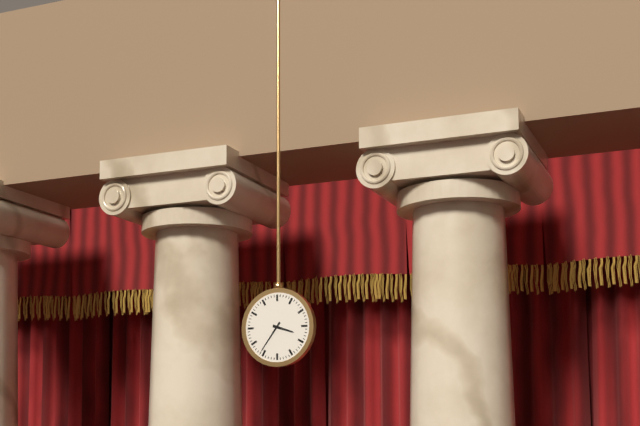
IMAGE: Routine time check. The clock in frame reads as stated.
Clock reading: 3:36
